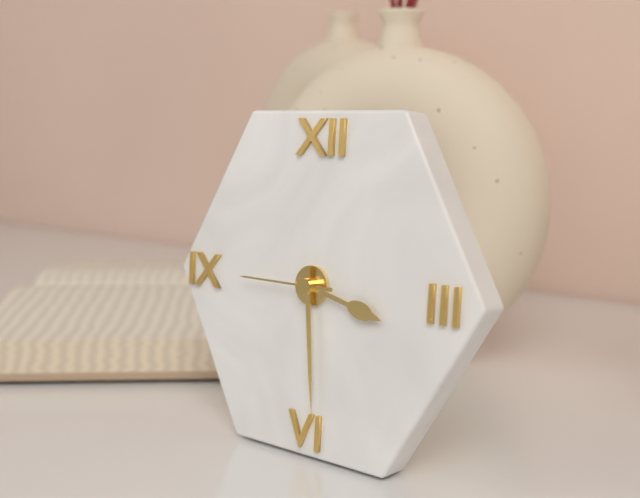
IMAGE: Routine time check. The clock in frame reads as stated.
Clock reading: 3:29:45
